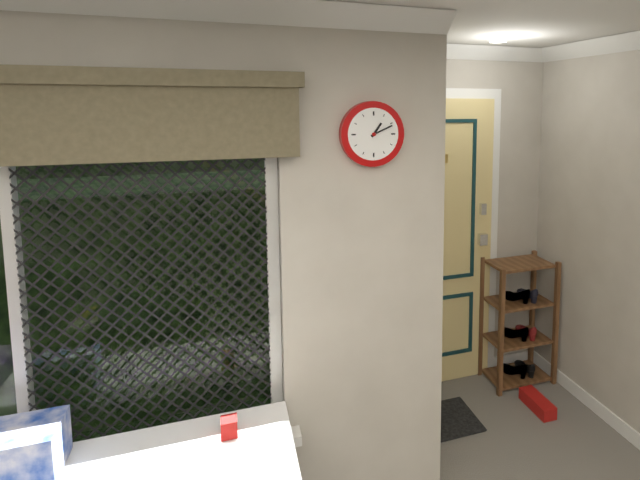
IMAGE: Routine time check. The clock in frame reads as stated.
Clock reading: 1:11
